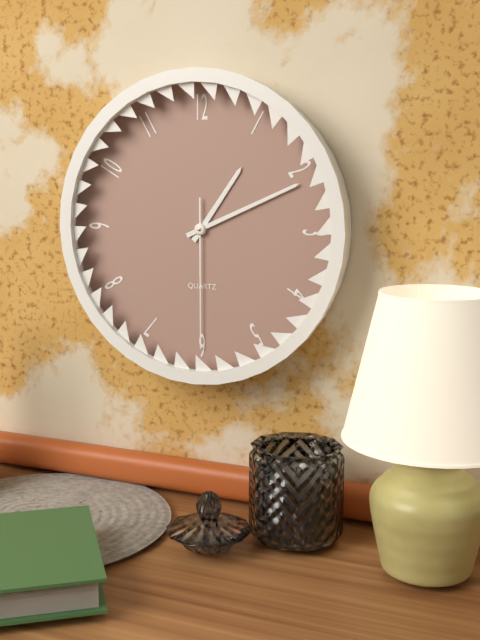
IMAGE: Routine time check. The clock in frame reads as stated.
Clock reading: 1:11:30
